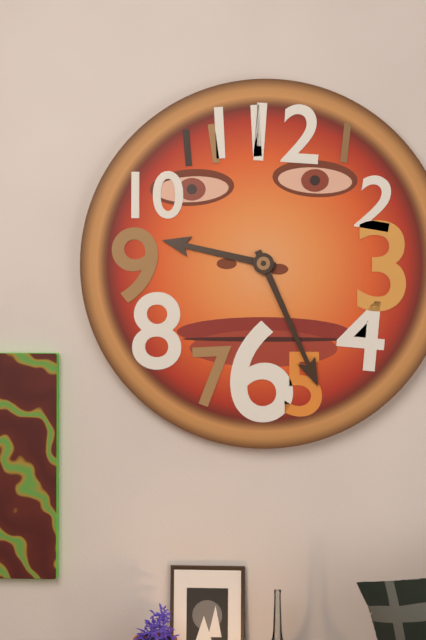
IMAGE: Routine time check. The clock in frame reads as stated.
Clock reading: 9:26
